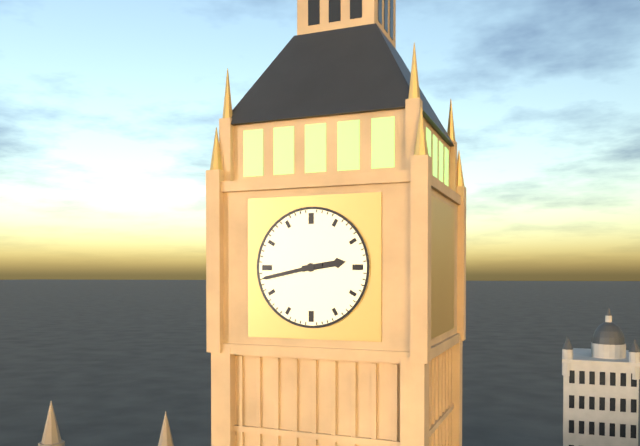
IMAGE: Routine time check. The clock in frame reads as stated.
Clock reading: 2:43
